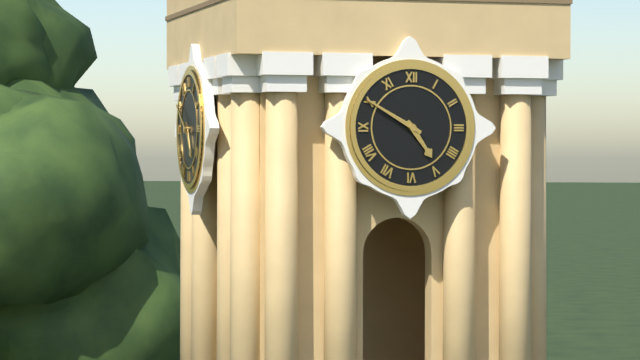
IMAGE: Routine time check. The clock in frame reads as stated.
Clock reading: 4:50
